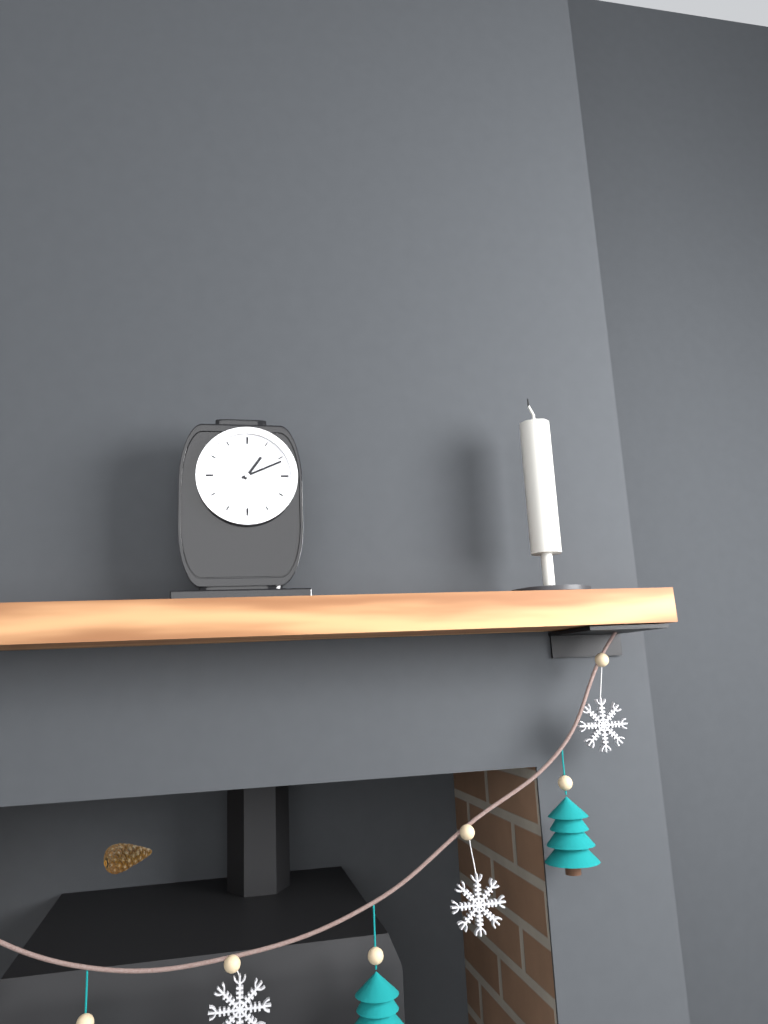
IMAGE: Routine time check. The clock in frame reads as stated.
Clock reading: 1:11
